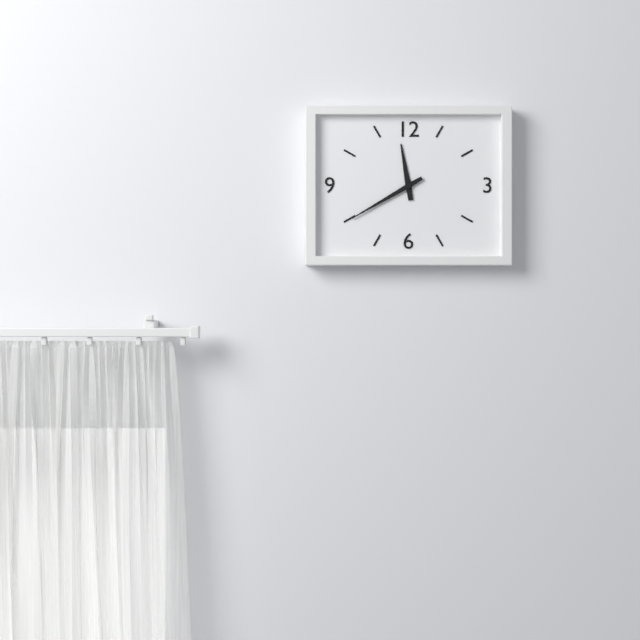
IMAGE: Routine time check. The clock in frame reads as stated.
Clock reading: 11:40
